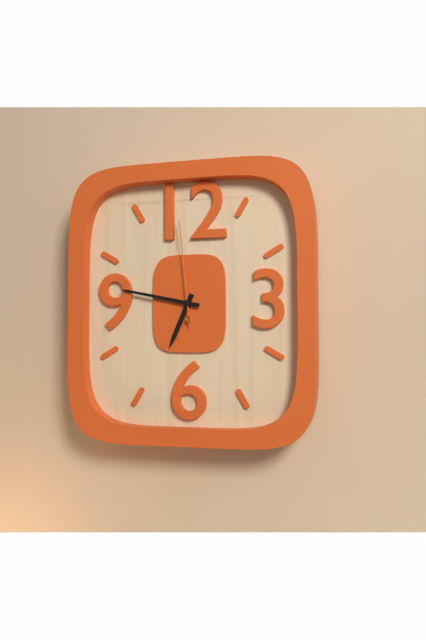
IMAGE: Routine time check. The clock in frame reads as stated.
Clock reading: 6:47:59
